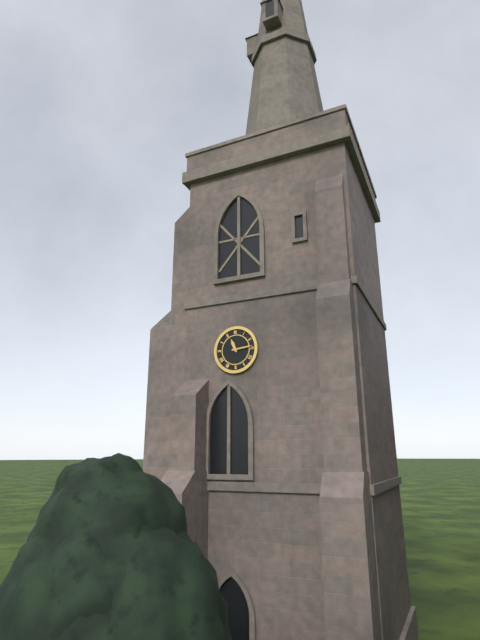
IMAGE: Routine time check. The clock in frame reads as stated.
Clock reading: 11:14
